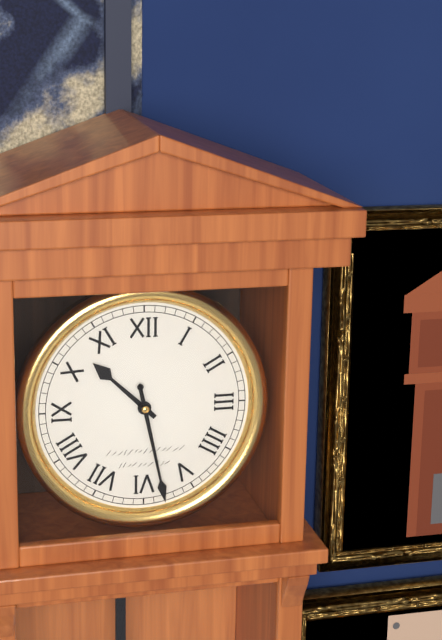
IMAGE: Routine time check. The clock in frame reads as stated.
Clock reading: 10:28:28
